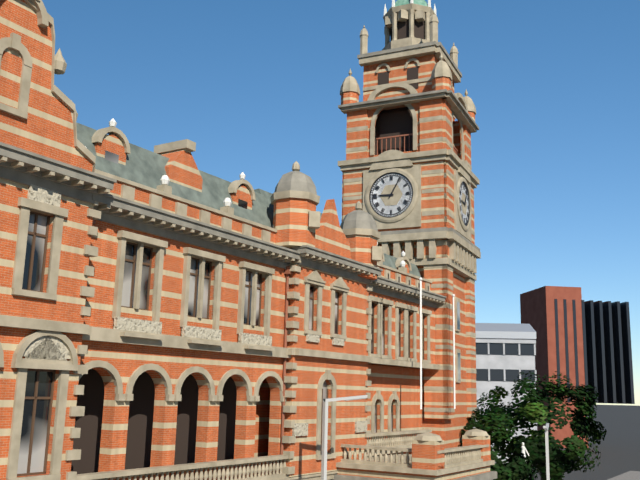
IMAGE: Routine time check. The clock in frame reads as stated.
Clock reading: 9:05
